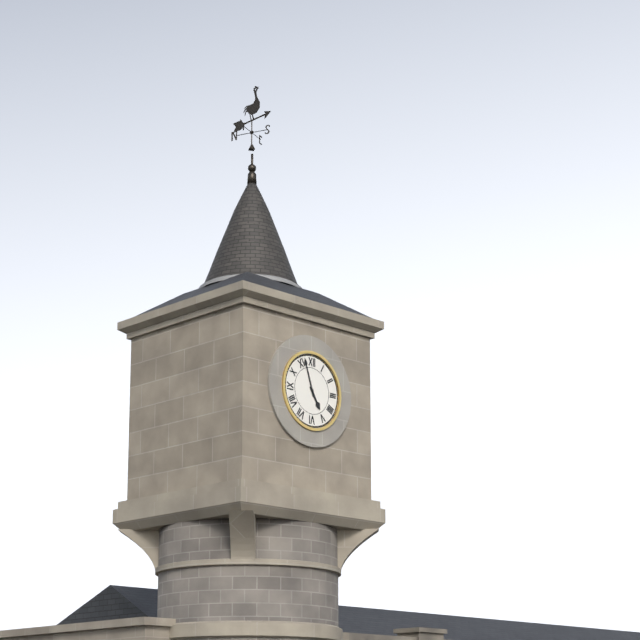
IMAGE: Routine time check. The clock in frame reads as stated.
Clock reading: 4:57
